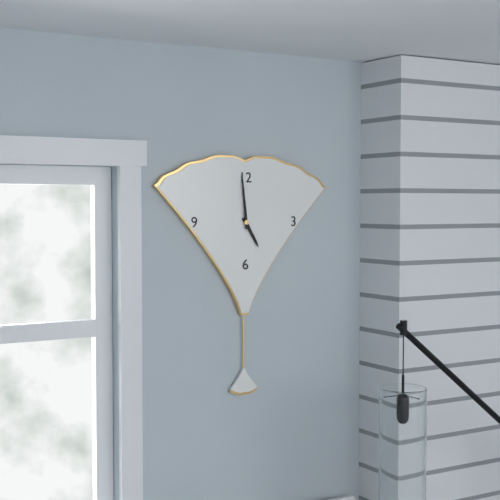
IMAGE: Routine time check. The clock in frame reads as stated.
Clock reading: 4:59
